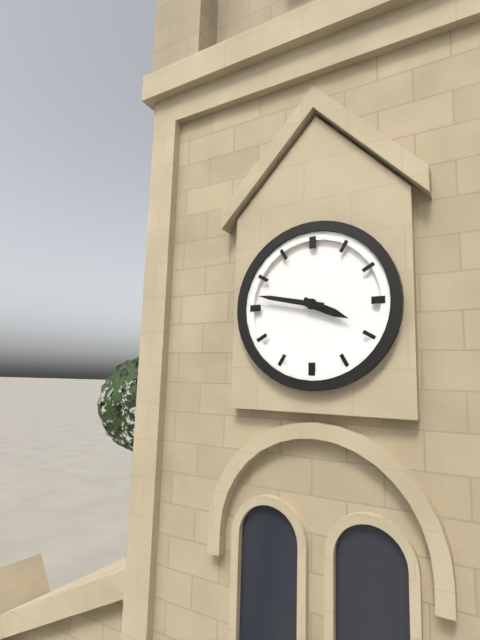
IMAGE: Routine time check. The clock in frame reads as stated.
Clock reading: 3:47
